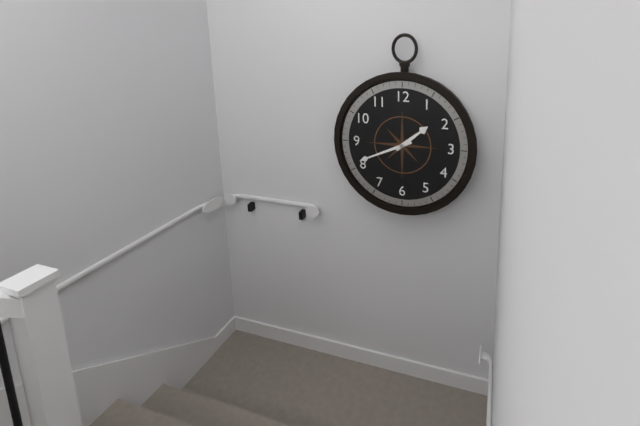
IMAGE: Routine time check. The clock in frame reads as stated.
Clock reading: 1:41
